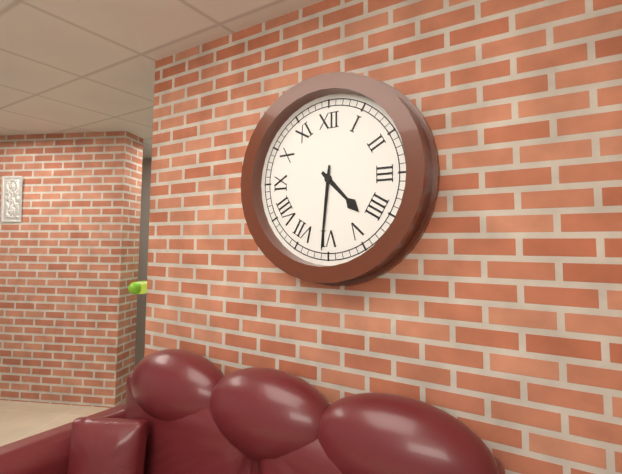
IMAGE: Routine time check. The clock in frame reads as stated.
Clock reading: 4:31
